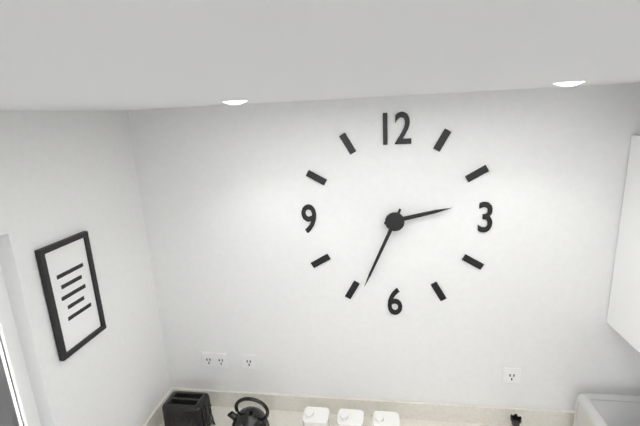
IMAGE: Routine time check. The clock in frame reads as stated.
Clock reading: 2:34
